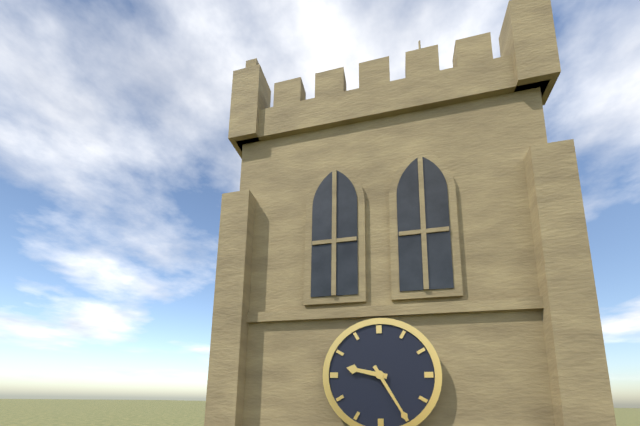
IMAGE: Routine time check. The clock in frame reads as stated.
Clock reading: 9:25
